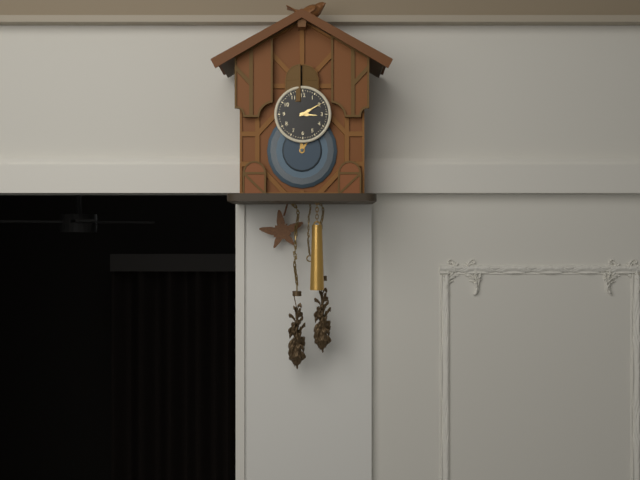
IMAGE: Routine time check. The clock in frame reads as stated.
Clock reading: 3:10
